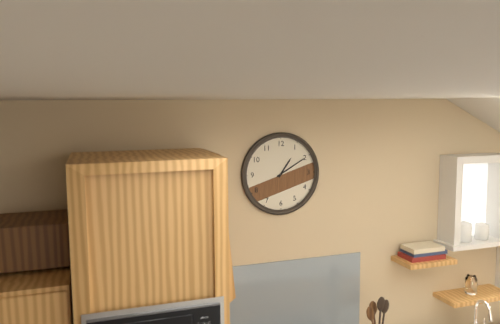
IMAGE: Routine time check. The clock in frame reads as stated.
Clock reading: 1:10
